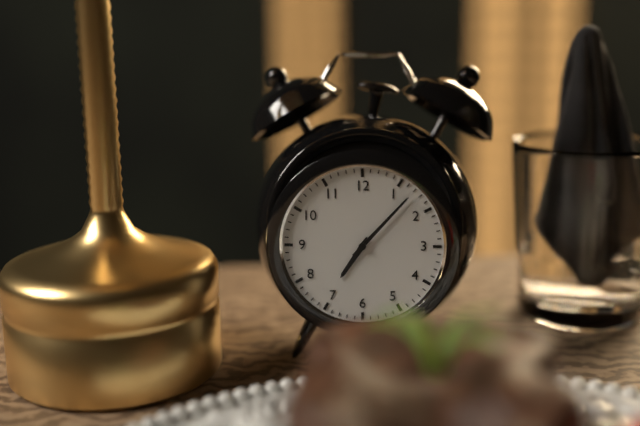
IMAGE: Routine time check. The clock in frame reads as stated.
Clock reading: 7:07
